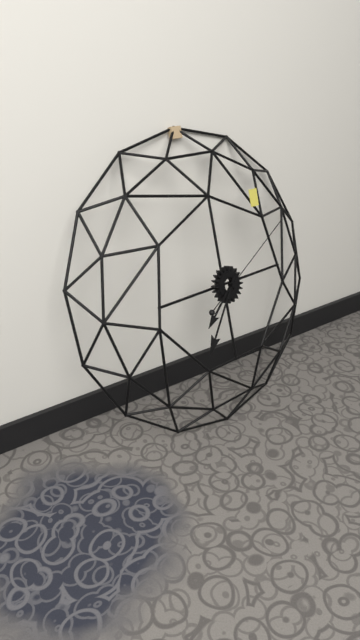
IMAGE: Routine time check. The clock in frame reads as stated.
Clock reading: 7:36:10
